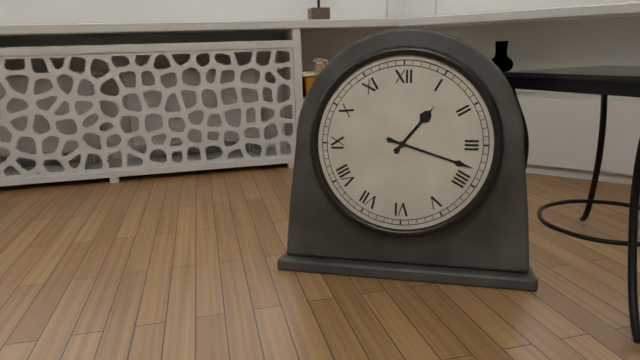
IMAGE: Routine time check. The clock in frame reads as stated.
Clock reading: 1:18
